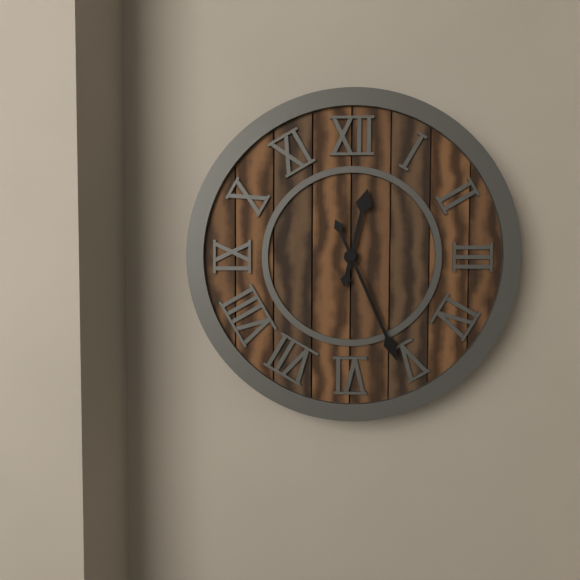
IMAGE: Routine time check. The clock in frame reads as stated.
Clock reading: 12:26
